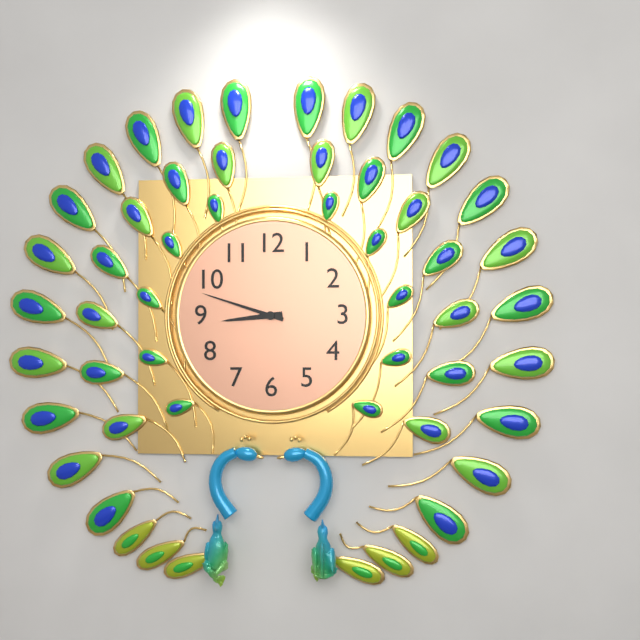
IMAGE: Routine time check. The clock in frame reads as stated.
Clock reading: 8:48
